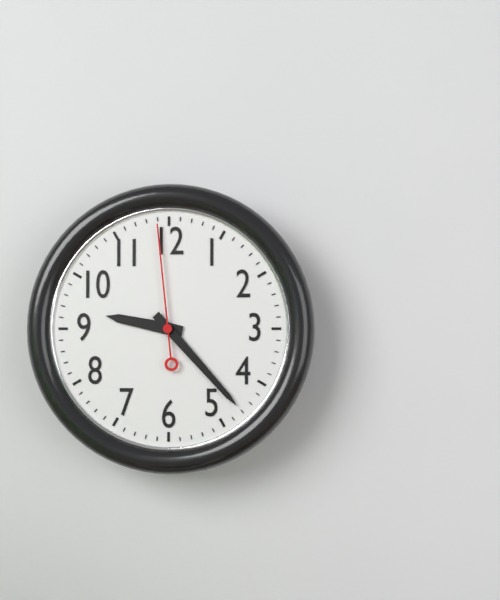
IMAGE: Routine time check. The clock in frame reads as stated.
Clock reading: 9:23:59
